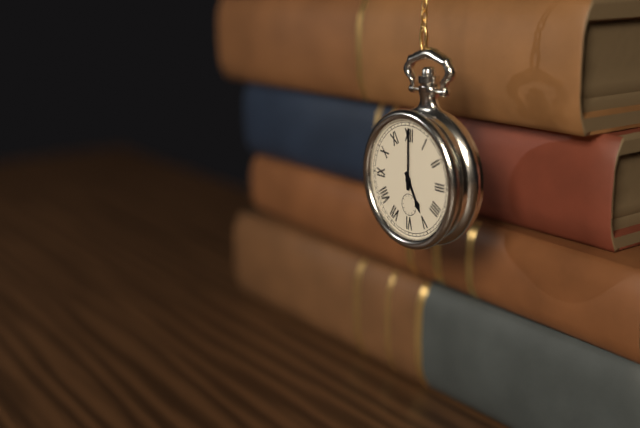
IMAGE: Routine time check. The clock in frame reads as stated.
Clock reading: 5:00
